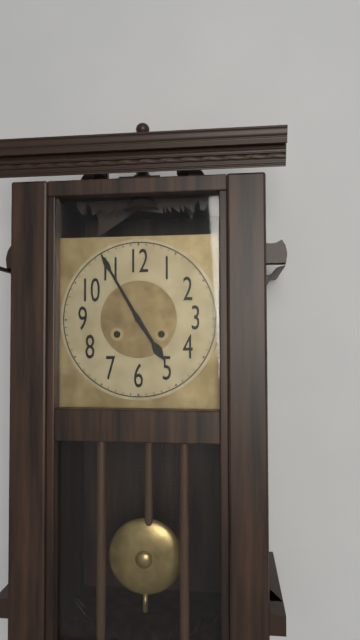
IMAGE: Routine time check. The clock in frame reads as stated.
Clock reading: 4:55
